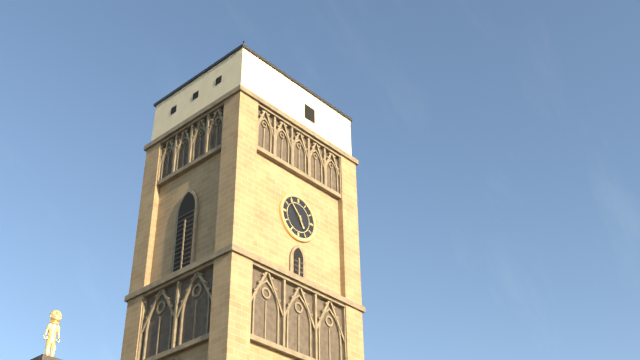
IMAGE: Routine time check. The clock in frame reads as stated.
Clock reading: 4:53
